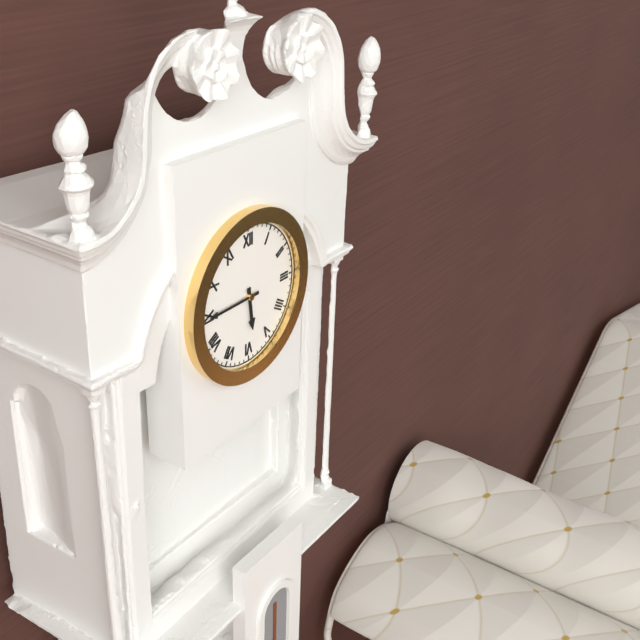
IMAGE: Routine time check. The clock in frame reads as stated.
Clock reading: 5:45
